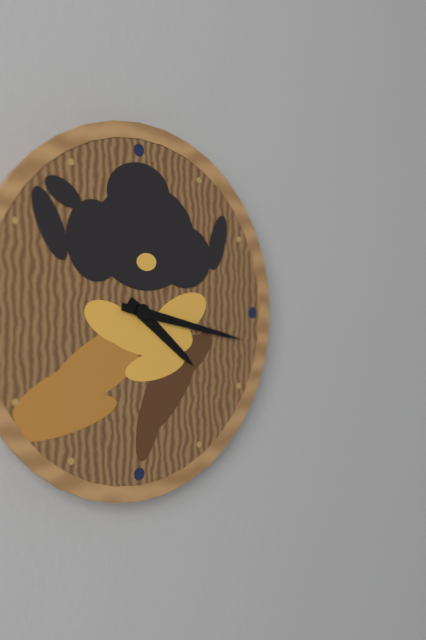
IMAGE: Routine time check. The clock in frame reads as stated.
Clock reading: 4:17
